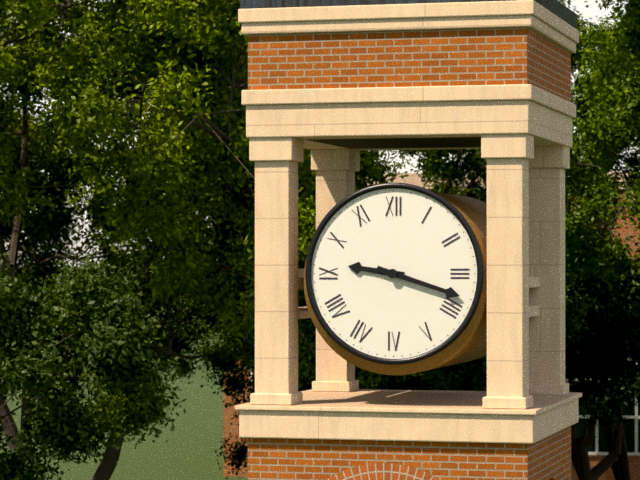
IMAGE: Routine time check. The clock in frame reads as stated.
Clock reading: 9:18
